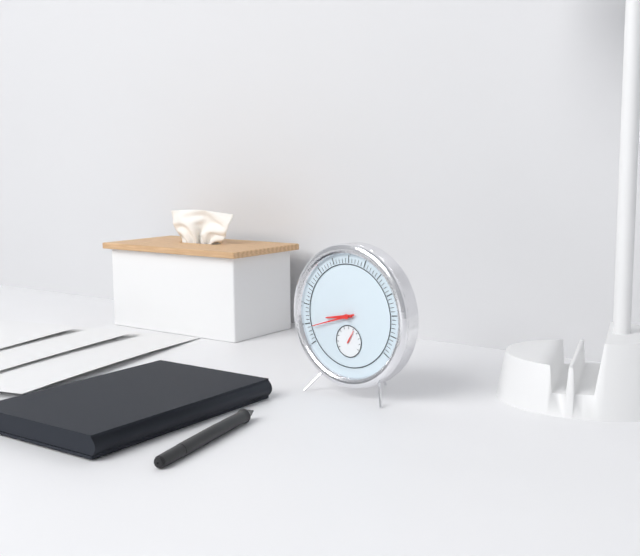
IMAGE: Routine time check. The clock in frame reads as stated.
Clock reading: 8:42
